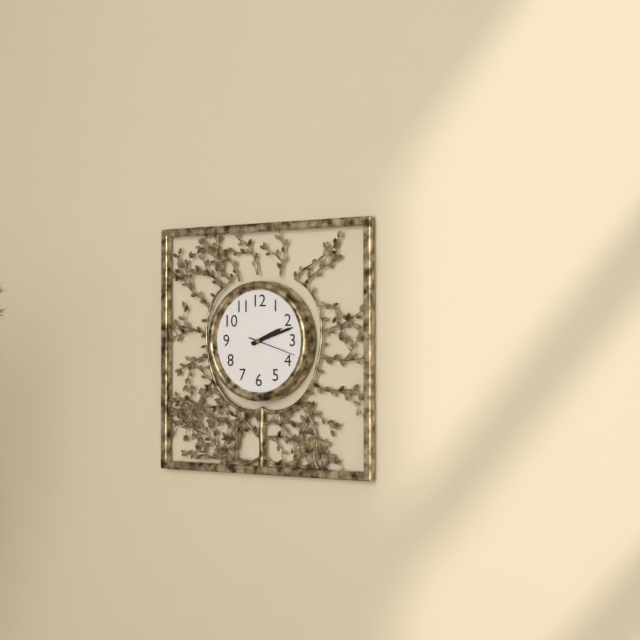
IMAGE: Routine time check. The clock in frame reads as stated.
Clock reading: 2:12
